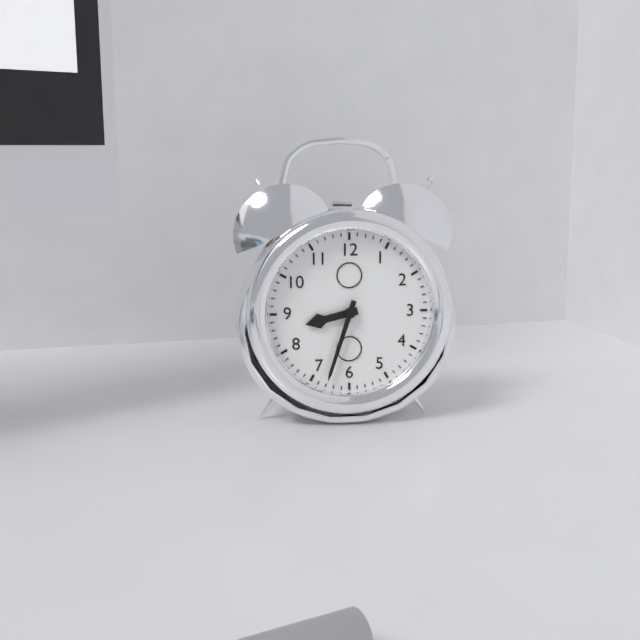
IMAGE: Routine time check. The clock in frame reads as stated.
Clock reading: 8:33
